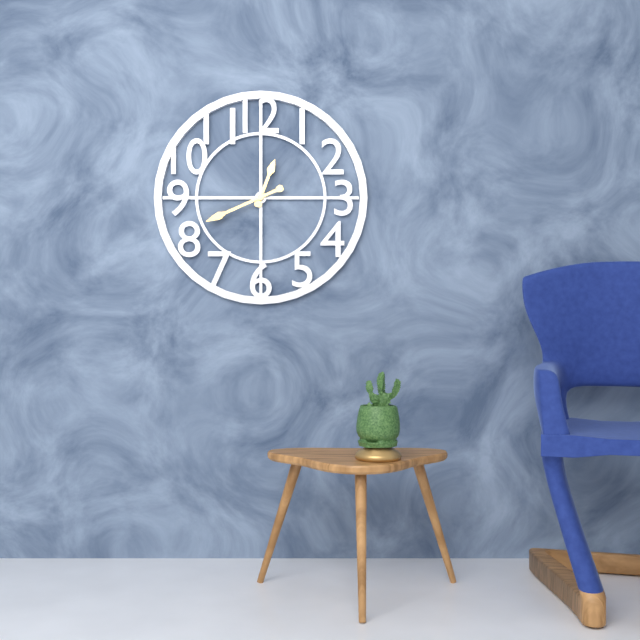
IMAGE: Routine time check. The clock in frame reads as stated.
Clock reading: 12:41
